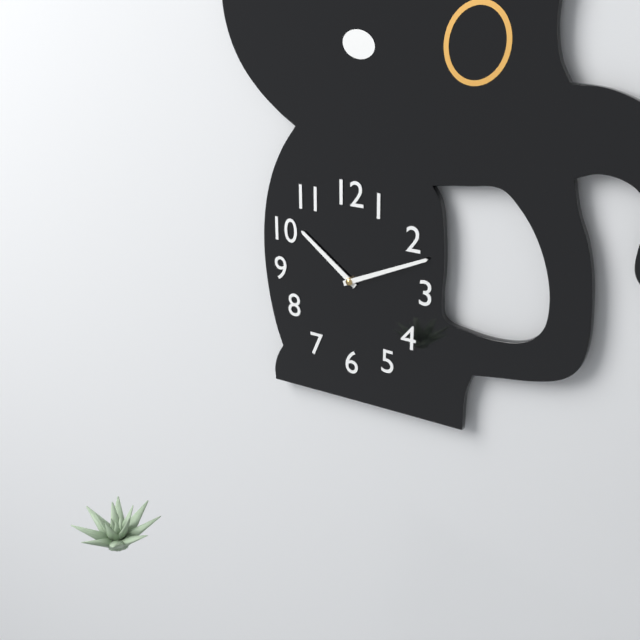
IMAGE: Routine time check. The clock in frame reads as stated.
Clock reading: 10:11
